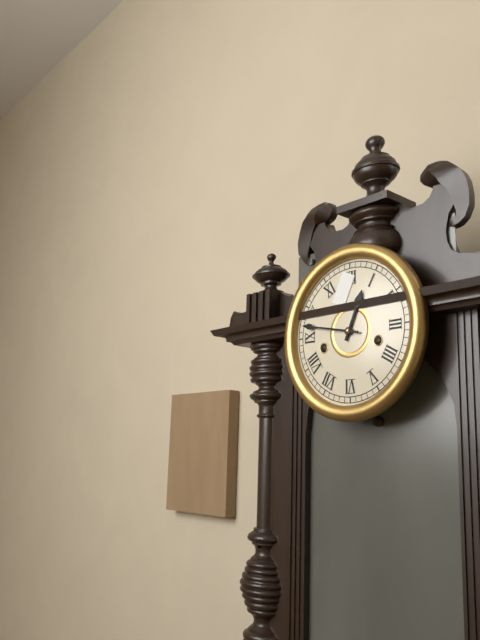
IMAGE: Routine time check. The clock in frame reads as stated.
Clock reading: 12:47
